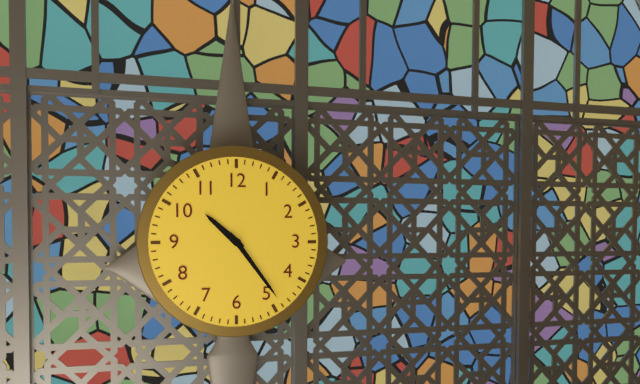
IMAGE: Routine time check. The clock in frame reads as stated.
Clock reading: 10:24
